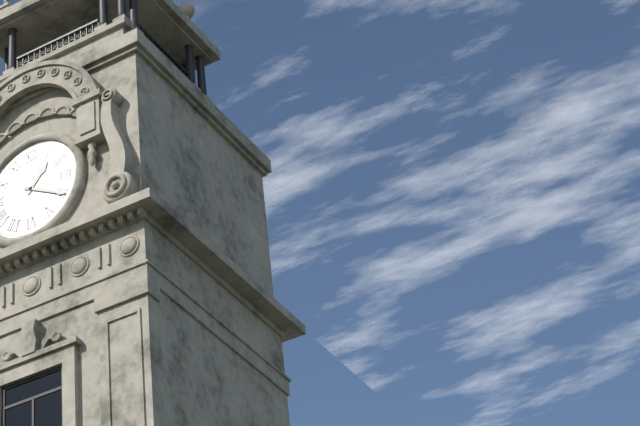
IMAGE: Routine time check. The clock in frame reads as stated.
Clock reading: 1:20
